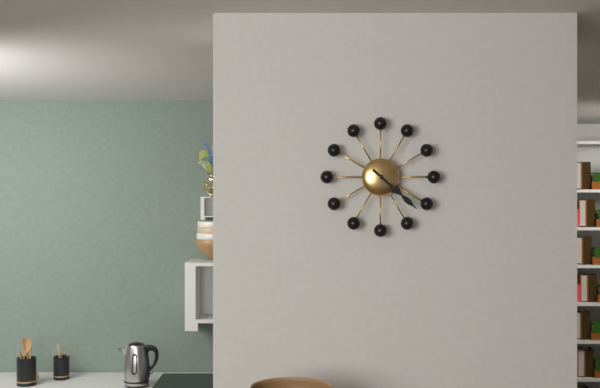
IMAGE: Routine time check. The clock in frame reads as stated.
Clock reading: 4:22
